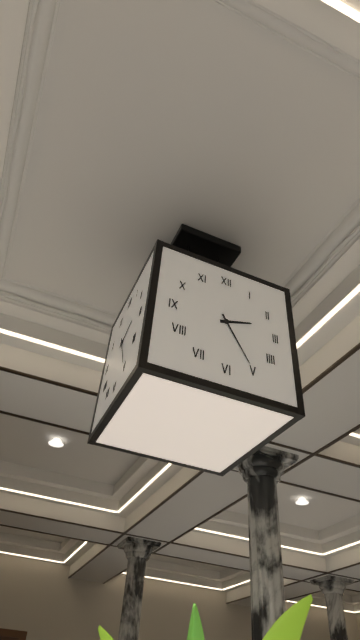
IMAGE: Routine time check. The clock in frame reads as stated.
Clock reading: 2:25
